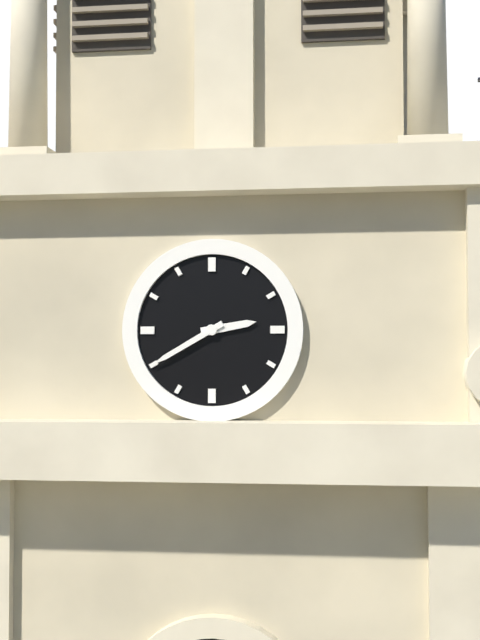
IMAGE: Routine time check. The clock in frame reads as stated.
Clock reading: 2:40
